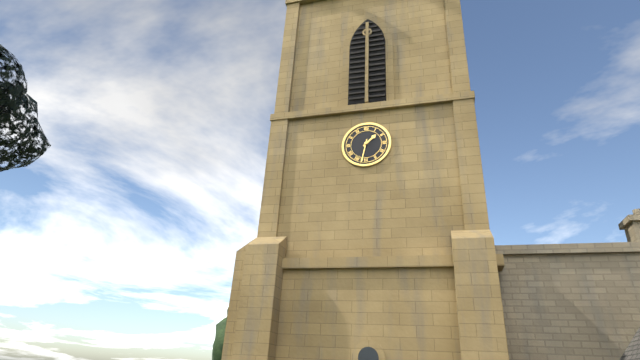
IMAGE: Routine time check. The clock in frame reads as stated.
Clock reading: 1:32
